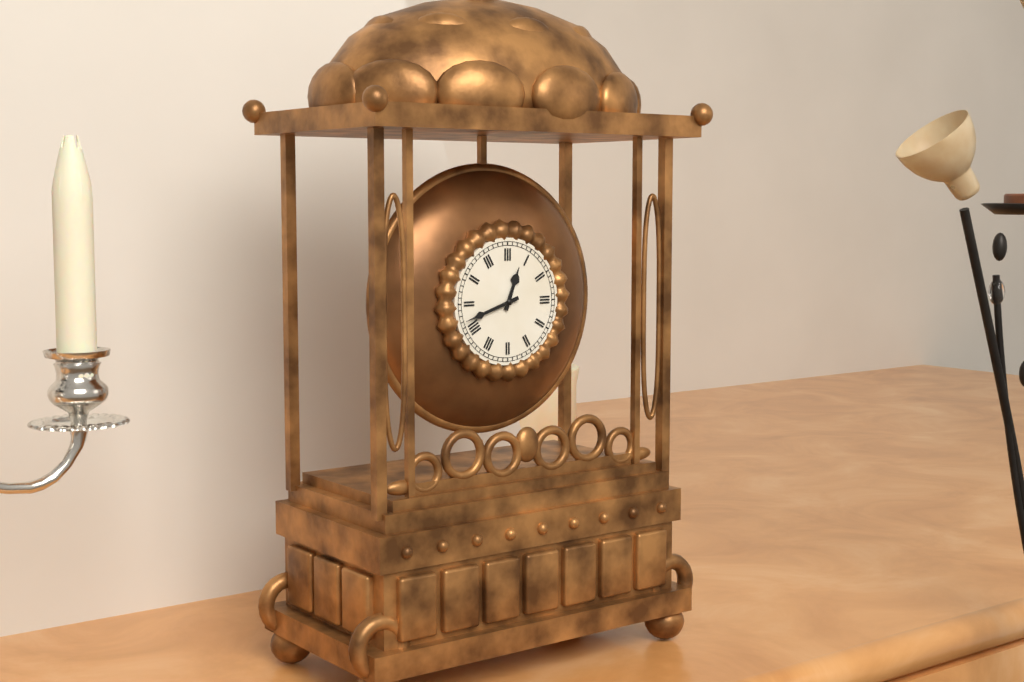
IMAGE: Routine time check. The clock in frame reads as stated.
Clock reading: 12:42
